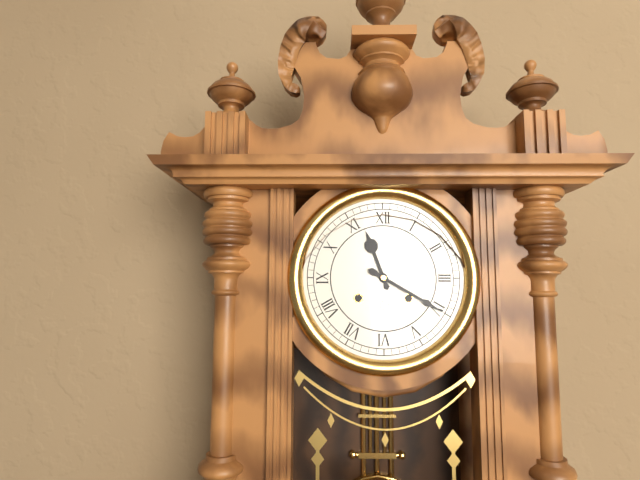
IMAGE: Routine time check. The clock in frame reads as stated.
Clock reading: 11:20
